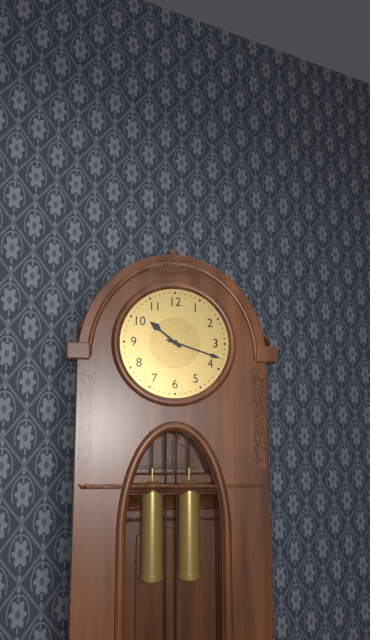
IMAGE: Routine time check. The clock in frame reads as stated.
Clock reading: 10:18
